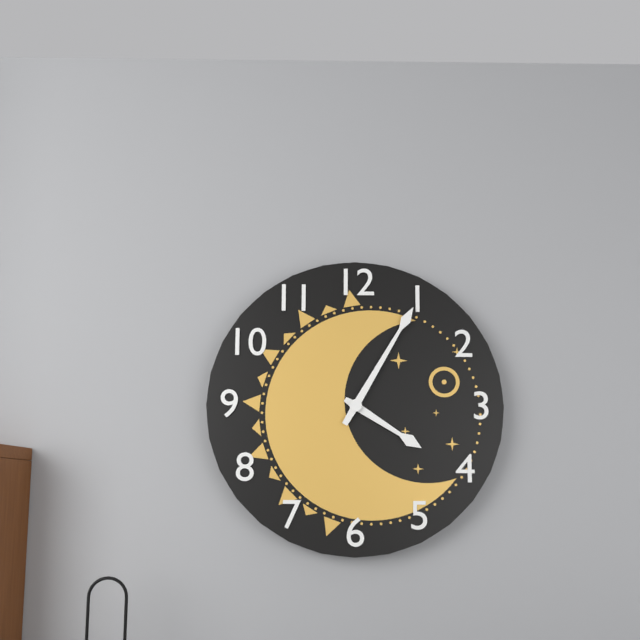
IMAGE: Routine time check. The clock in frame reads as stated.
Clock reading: 4:05
